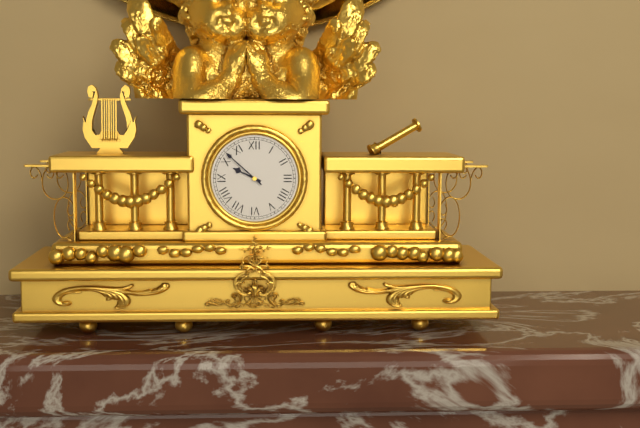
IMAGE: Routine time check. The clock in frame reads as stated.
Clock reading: 9:52
